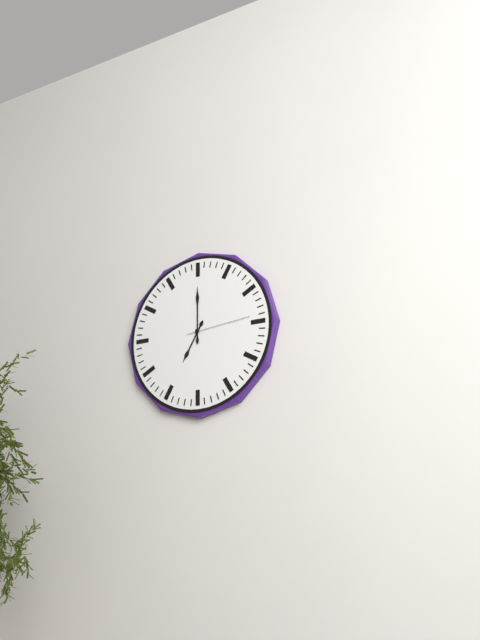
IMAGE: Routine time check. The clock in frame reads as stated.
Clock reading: 7:00:14
